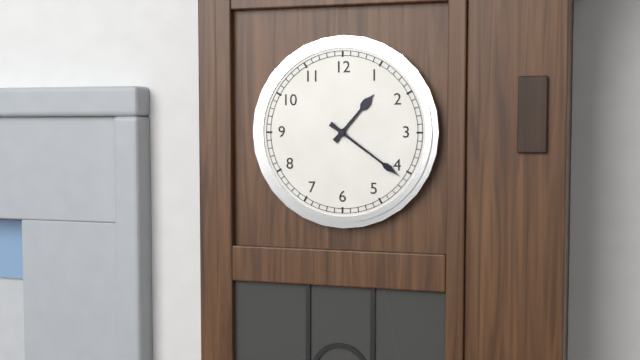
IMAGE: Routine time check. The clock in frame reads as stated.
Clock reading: 1:21
